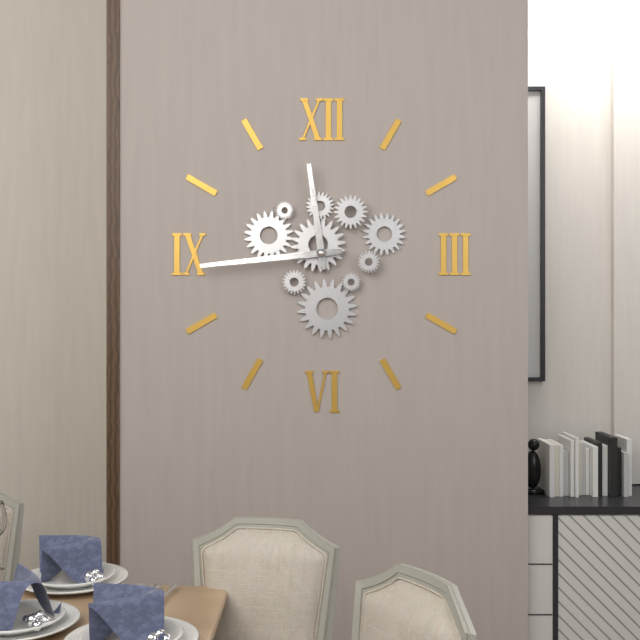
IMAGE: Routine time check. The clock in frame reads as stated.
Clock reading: 11:44
